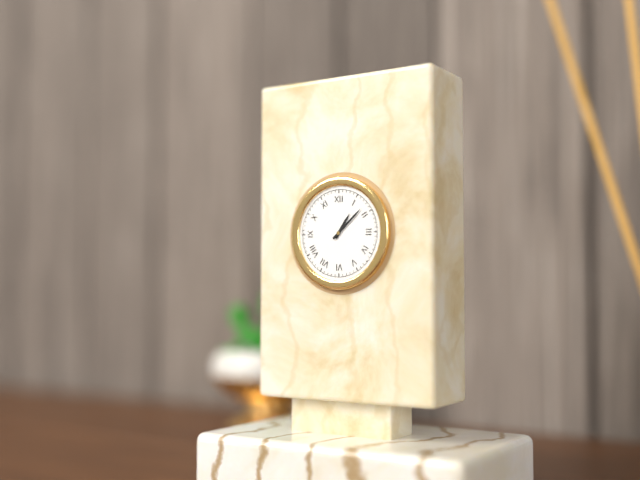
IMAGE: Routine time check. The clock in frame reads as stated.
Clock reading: 1:08
